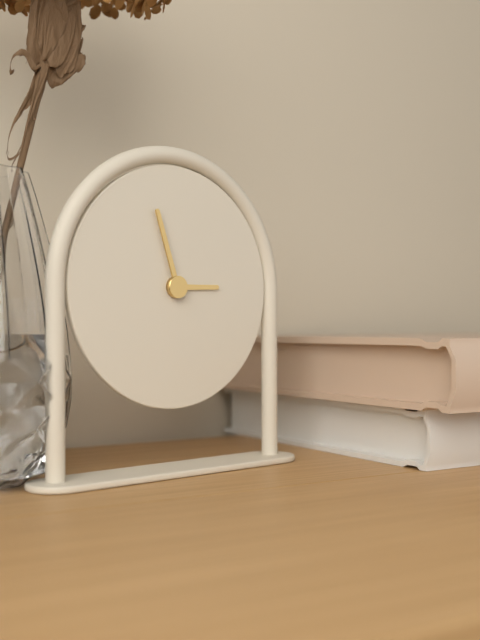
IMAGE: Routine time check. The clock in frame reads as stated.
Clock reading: 2:57
